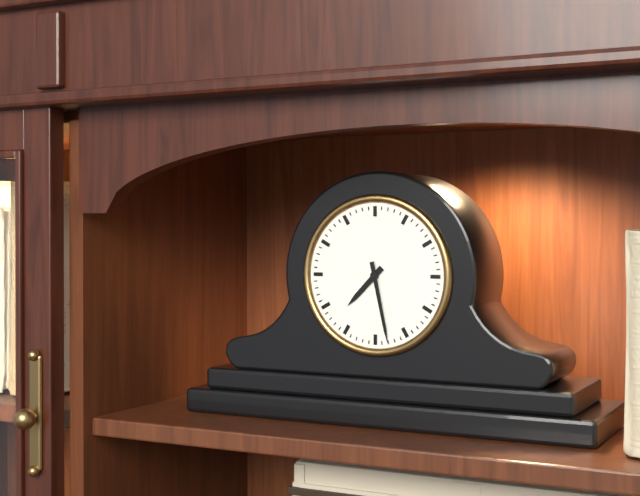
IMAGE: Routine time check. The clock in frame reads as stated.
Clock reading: 7:28
